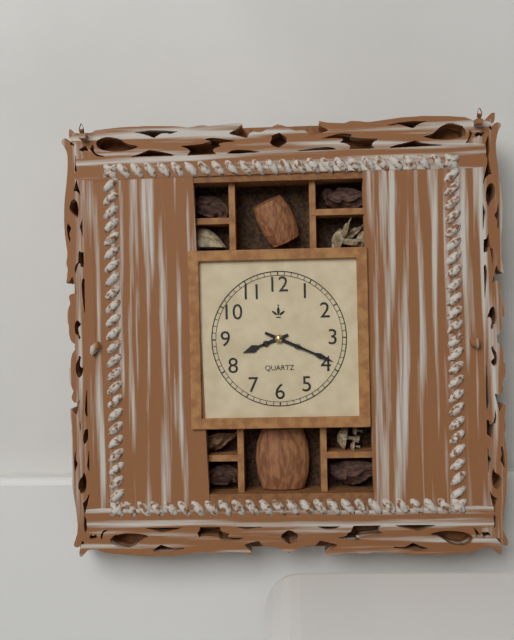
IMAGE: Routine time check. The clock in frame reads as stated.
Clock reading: 8:19
